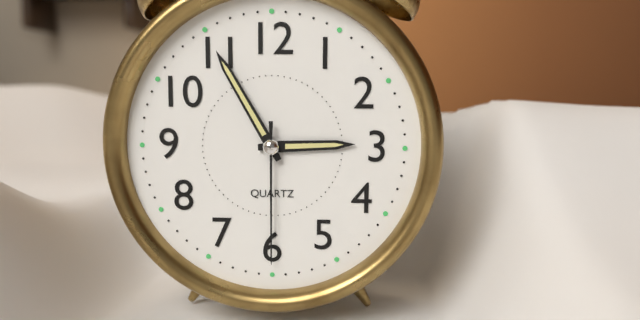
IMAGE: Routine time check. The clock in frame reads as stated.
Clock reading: 2:55:30
